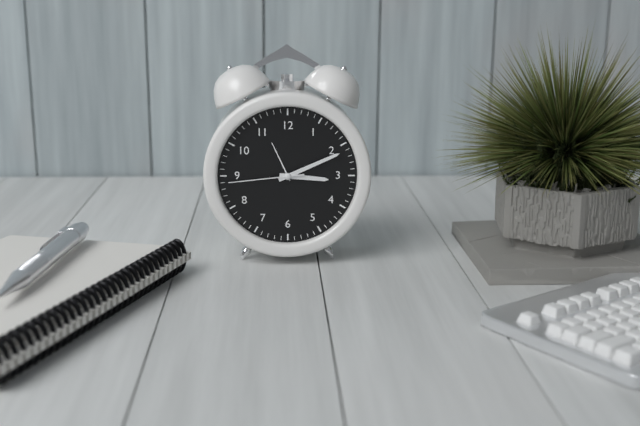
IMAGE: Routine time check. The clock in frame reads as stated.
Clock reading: 3:11:44
